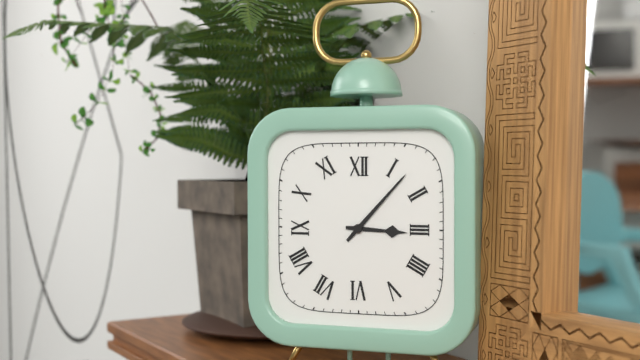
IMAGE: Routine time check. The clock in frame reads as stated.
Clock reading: 3:07
